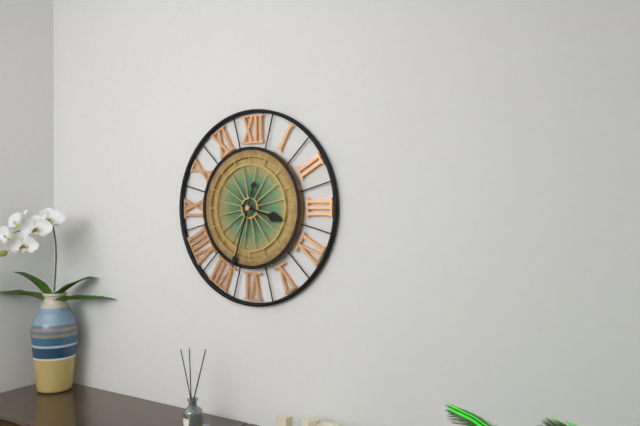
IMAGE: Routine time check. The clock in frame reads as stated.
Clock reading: 3:33
